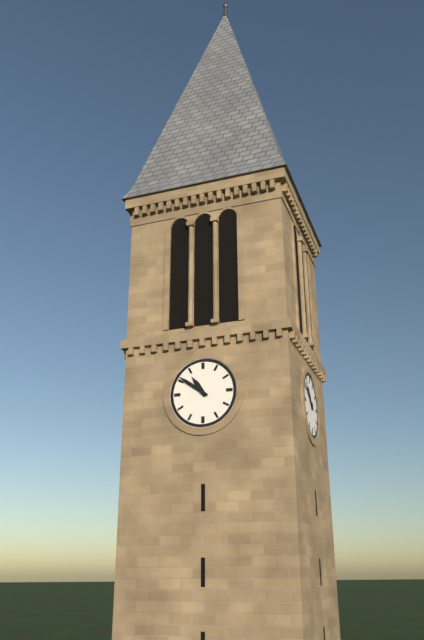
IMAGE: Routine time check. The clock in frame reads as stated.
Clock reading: 10:51
